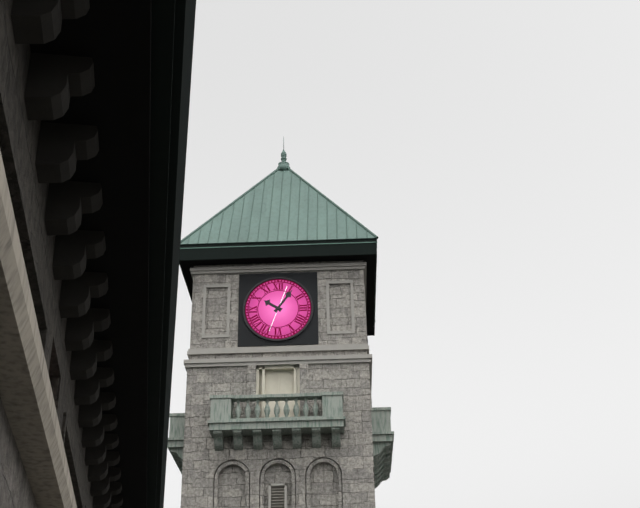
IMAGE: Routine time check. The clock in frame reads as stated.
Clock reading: 10:06
